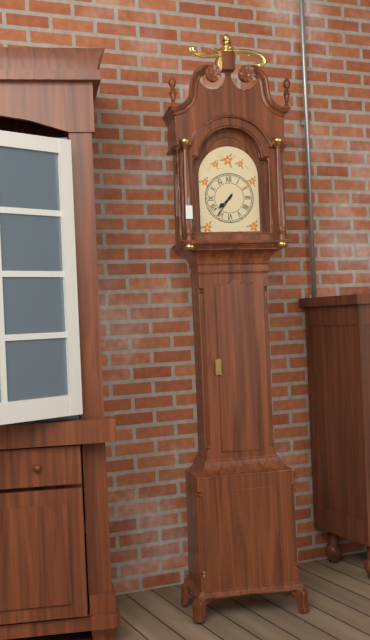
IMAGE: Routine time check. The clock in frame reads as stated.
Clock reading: 7:36
